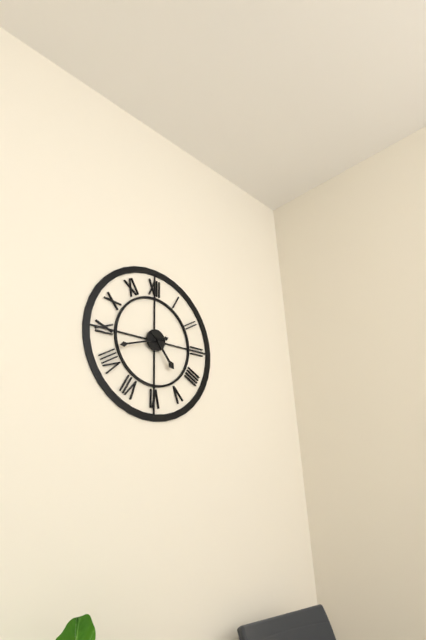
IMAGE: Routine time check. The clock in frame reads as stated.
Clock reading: 4:42
